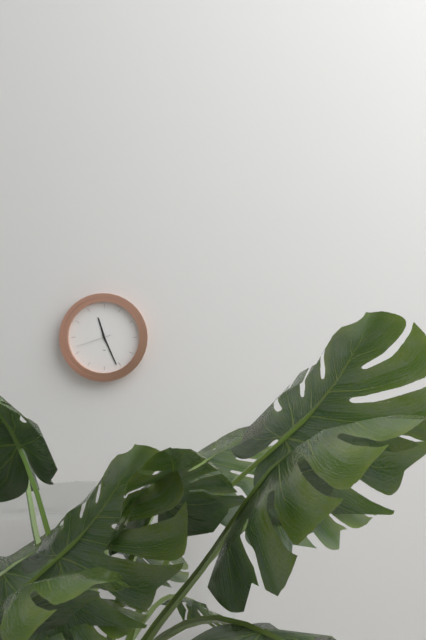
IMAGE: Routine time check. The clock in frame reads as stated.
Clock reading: 11:26
